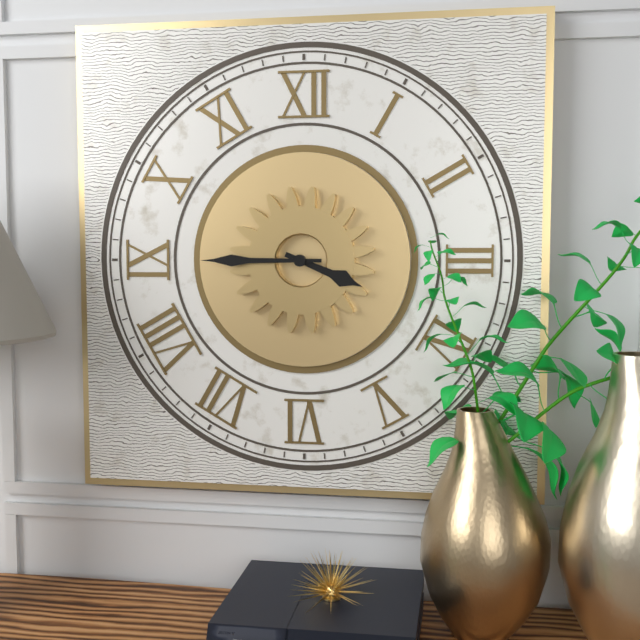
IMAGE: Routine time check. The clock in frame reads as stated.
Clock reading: 3:45
